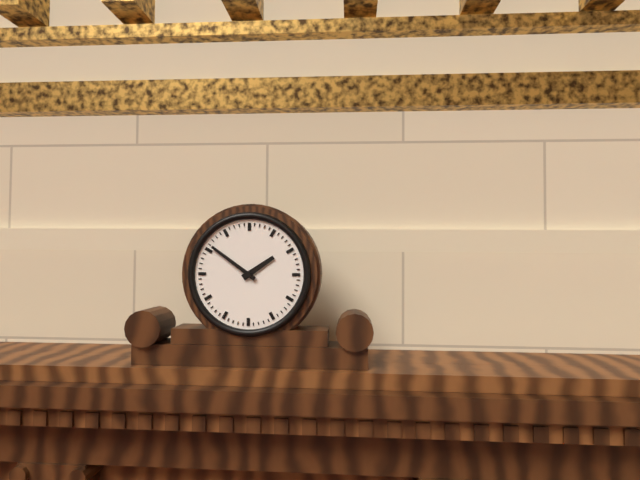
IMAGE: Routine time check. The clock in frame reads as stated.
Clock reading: 1:51
